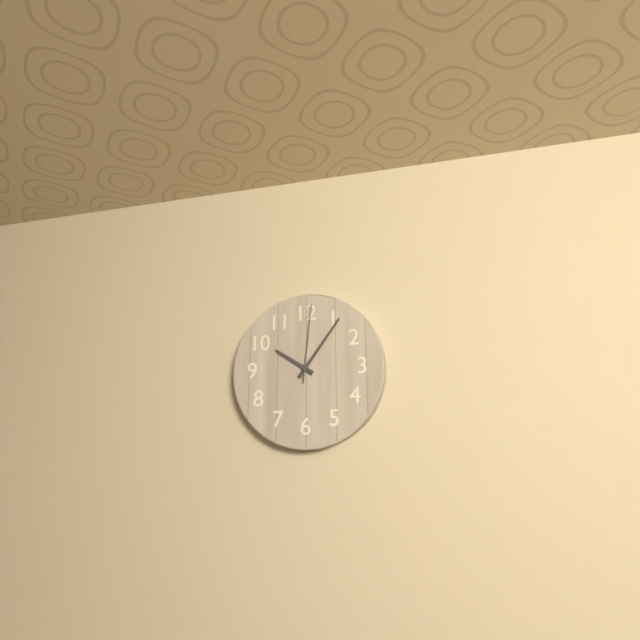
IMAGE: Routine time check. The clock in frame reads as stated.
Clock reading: 10:06:01
